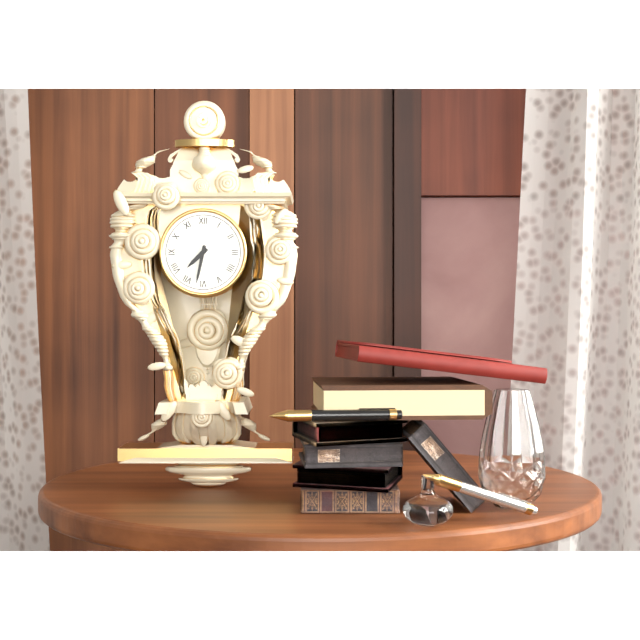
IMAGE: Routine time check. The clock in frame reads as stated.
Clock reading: 7:32
